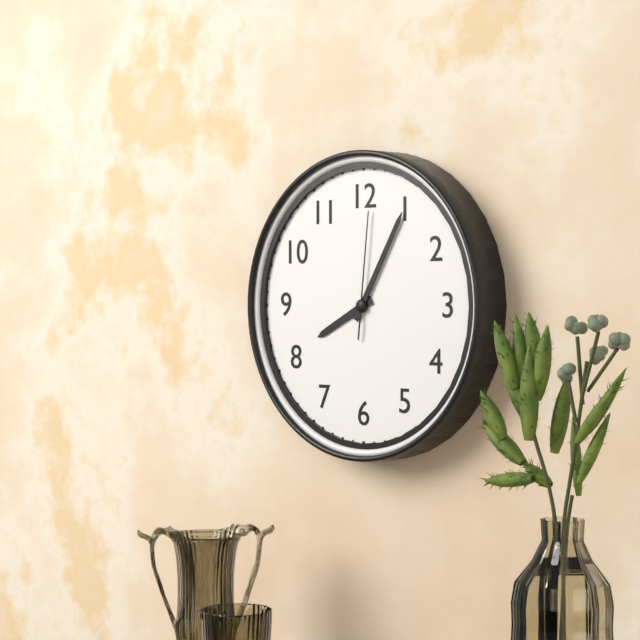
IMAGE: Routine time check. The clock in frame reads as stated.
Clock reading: 8:05:01
